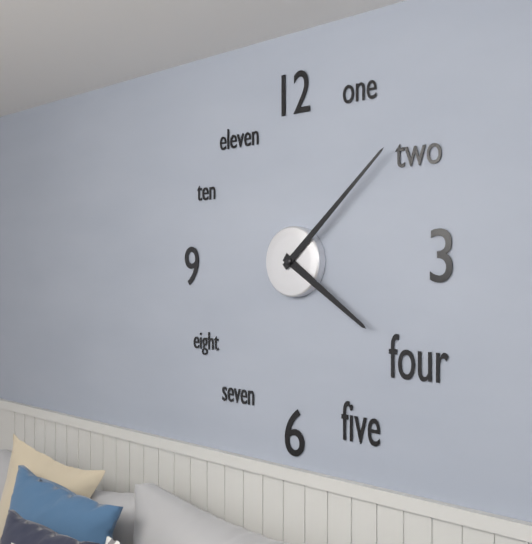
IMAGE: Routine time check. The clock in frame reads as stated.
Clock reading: 4:08
